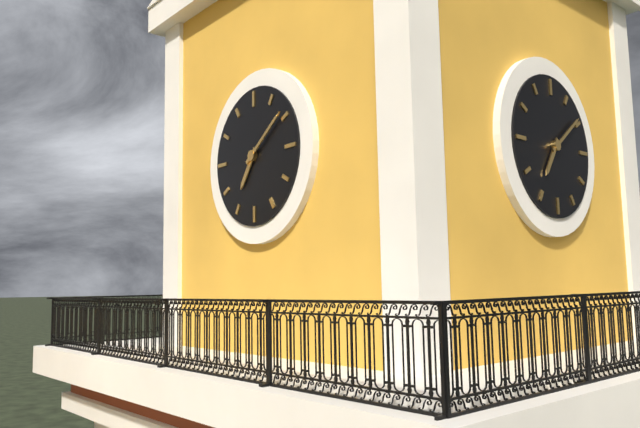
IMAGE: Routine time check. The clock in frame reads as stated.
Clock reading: 7:09
